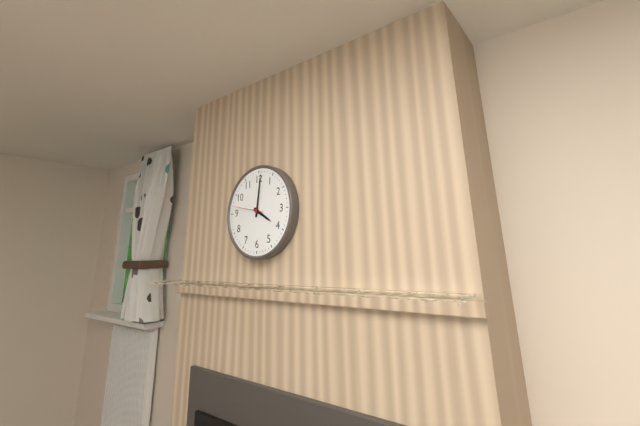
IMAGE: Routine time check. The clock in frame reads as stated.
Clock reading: 4:01
